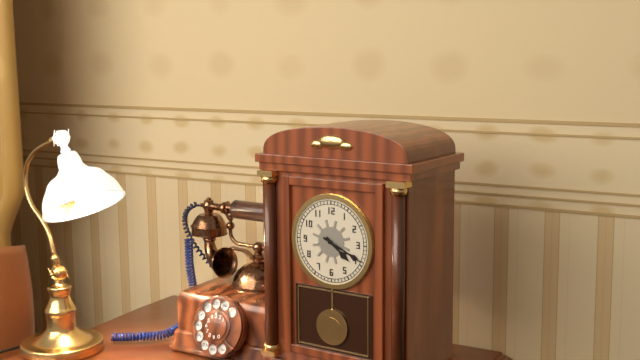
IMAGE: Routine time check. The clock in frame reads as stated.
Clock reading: 4:19
